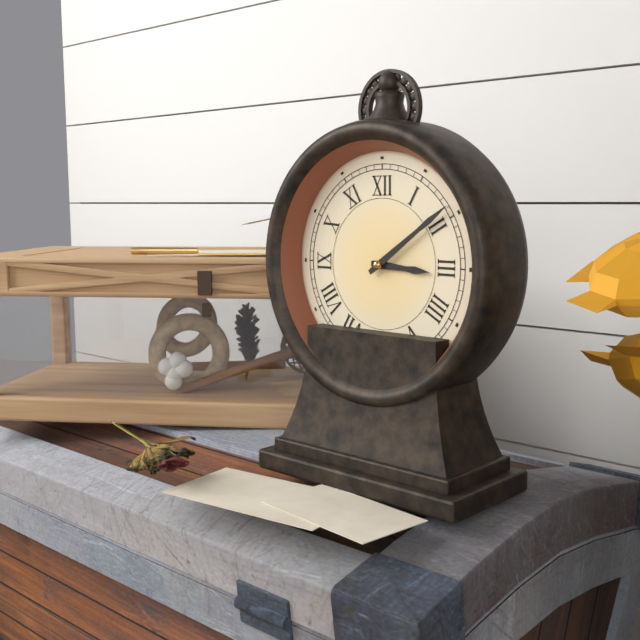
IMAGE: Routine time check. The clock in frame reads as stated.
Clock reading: 3:09
